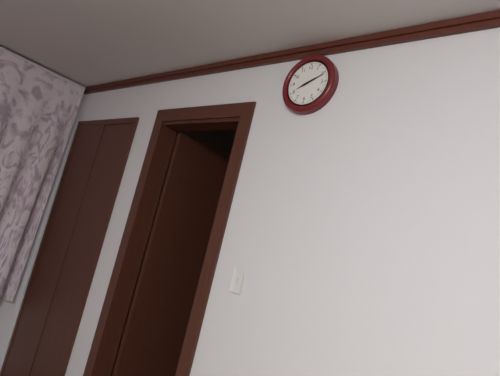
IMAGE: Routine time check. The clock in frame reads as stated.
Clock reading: 8:11
